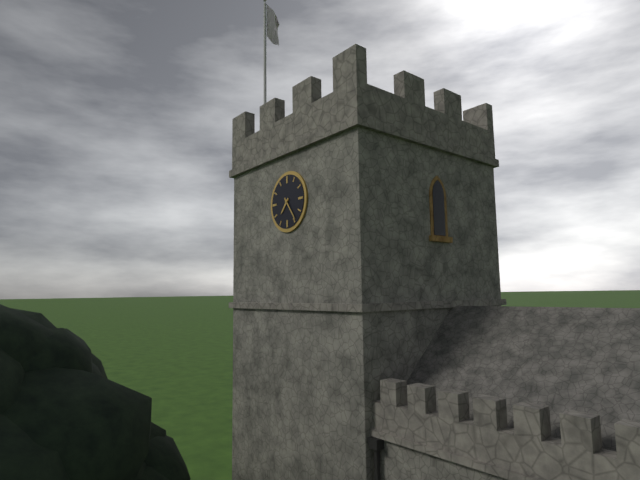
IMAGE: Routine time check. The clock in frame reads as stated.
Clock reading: 7:24
